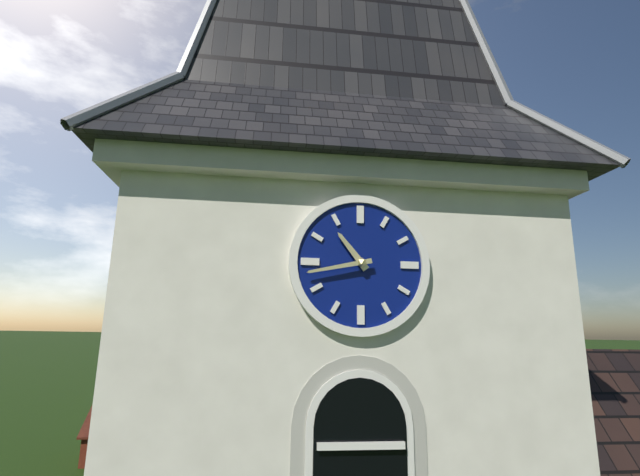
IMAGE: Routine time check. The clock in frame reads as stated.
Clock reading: 10:43
